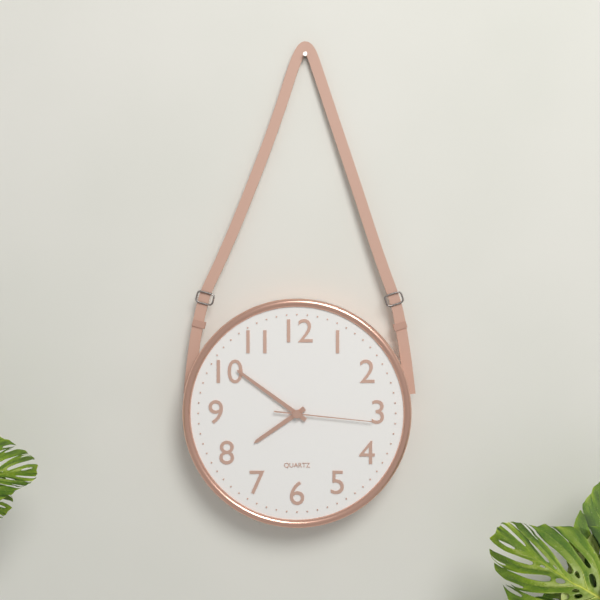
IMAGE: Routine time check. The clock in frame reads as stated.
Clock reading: 7:51:16
